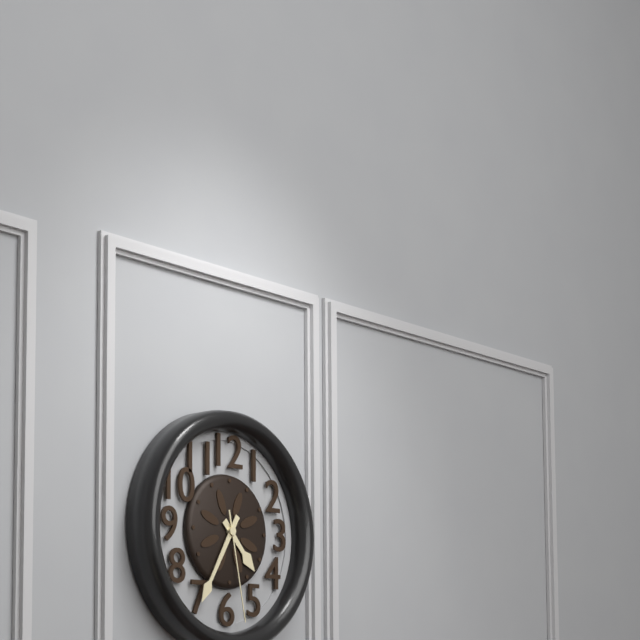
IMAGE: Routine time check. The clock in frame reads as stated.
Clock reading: 4:35:28
